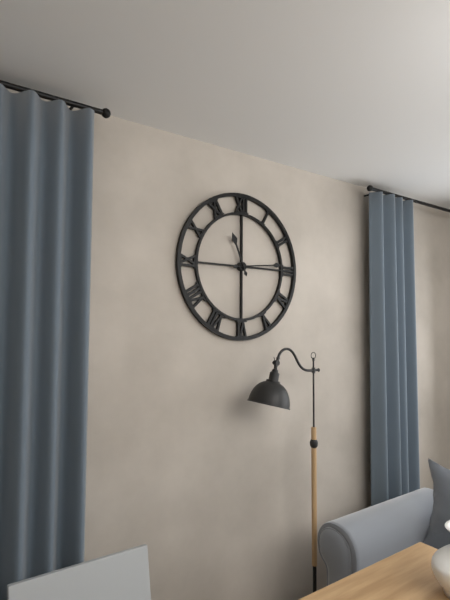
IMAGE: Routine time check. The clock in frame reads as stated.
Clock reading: 11:14
